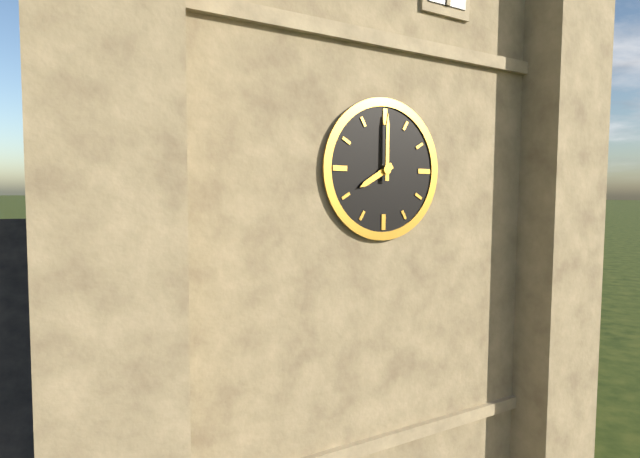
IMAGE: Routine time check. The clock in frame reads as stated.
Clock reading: 8:00
